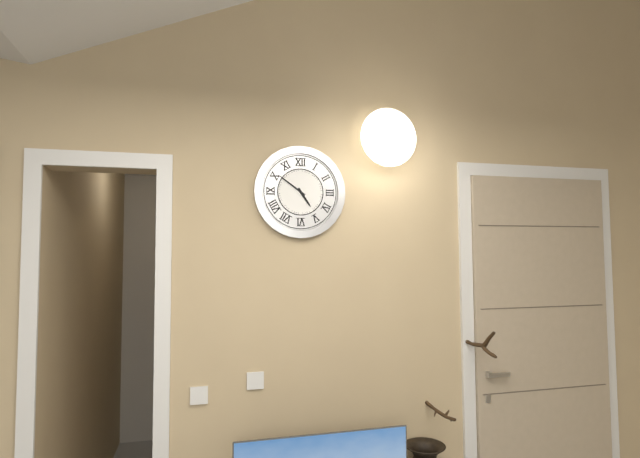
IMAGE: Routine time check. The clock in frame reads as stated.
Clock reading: 4:51
